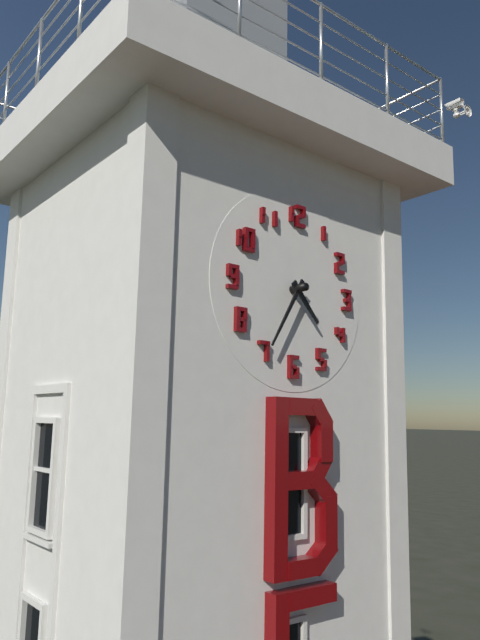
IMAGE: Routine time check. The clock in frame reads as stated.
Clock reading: 4:35
